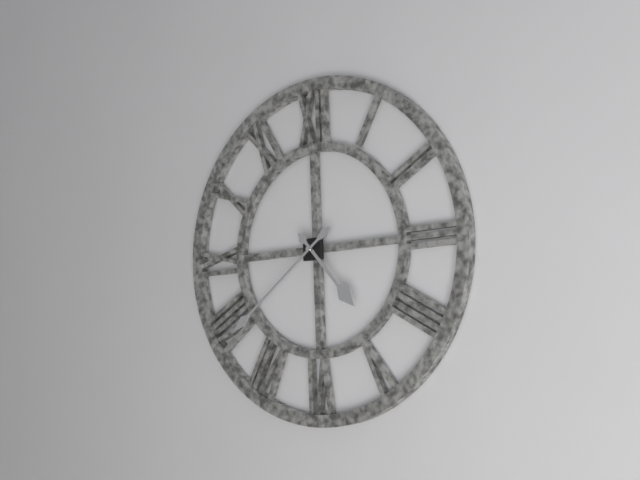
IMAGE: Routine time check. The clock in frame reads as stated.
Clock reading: 4:39
